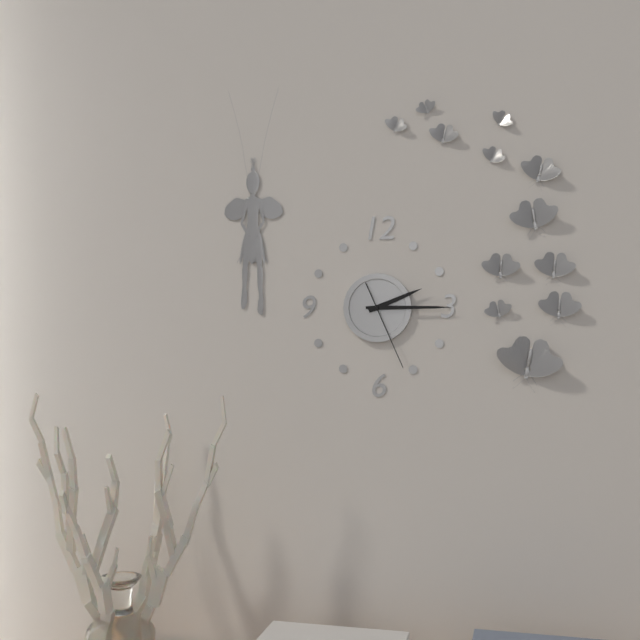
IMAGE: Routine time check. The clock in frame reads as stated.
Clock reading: 2:15:26
